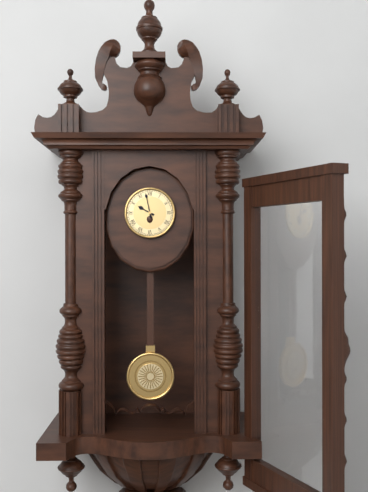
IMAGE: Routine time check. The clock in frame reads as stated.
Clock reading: 9:58
